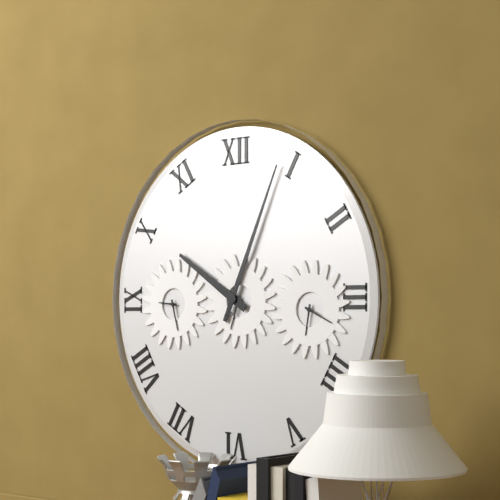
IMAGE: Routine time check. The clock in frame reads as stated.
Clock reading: 10:04
